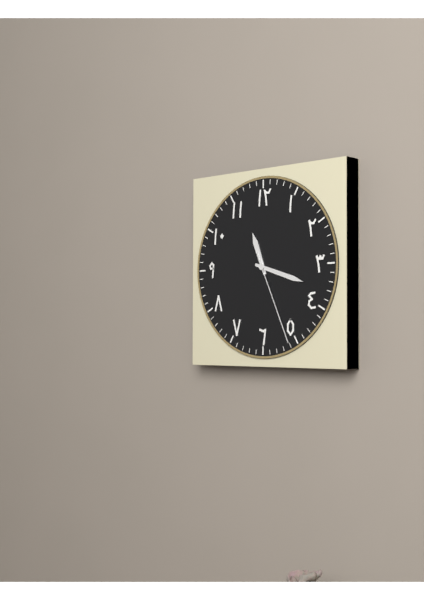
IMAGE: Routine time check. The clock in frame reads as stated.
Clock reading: 11:18:26
